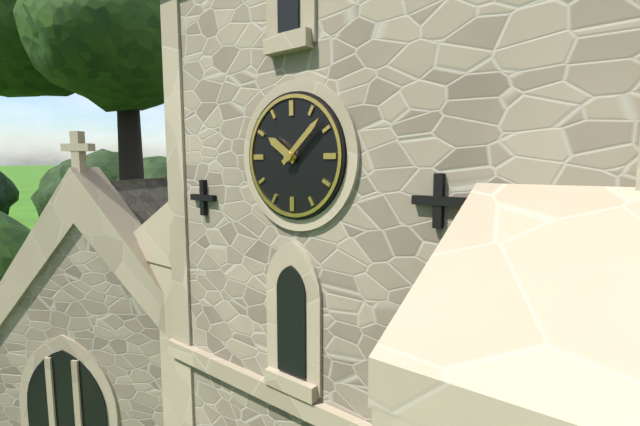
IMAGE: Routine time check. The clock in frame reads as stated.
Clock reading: 10:08
